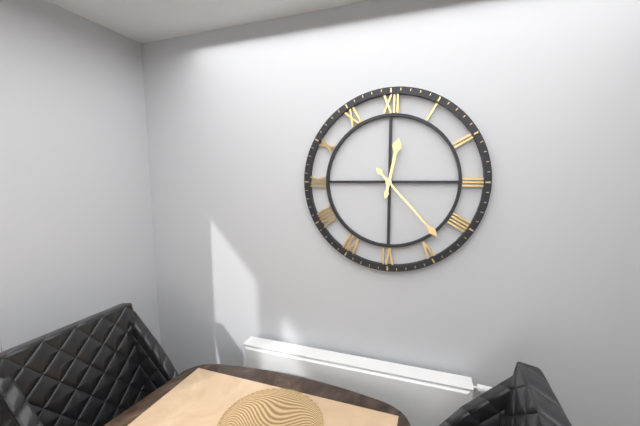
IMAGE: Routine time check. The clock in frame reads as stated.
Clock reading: 12:23
